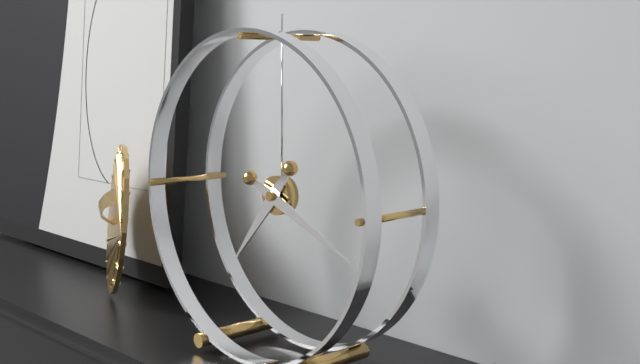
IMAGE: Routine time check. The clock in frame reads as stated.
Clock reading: 7:19
